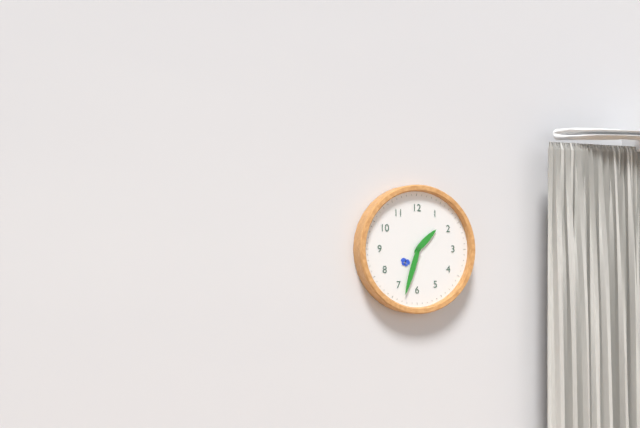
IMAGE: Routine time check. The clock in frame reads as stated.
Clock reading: 1:33
